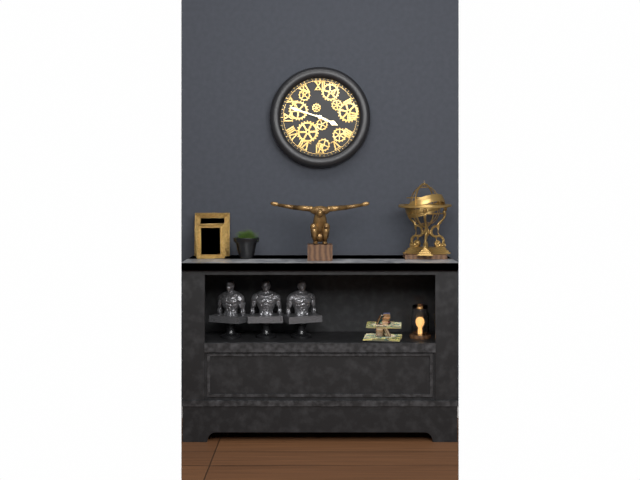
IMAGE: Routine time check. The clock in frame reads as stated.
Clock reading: 3:48
